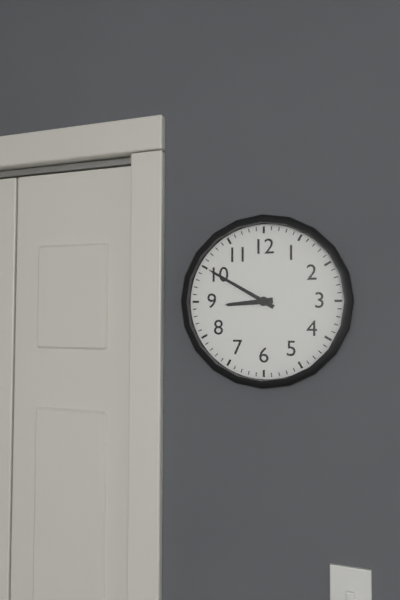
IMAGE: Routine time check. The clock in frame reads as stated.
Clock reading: 8:50
